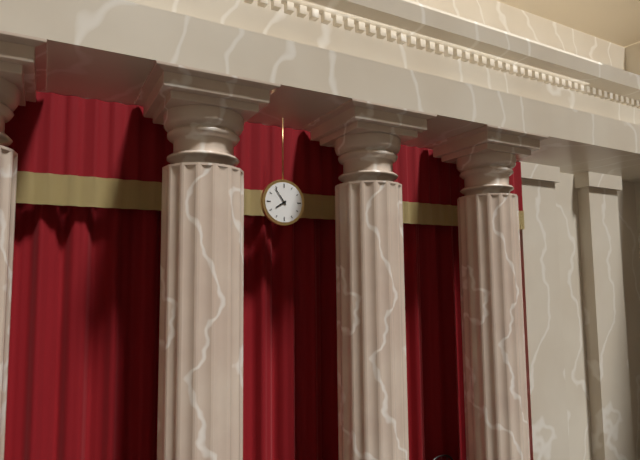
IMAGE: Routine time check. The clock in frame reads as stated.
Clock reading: 7:54
